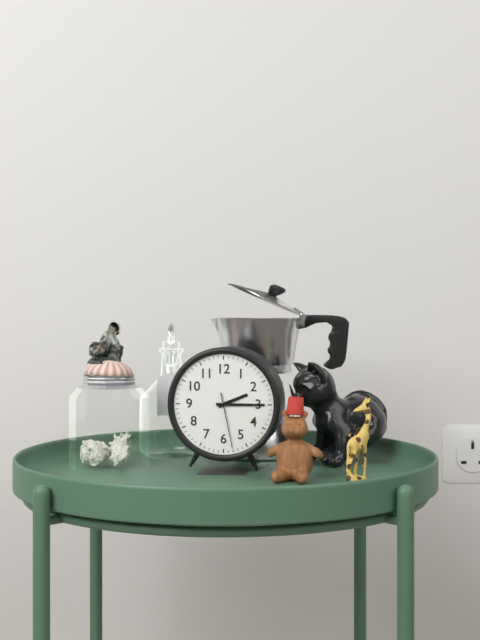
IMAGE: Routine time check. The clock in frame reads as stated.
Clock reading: 2:15:28
